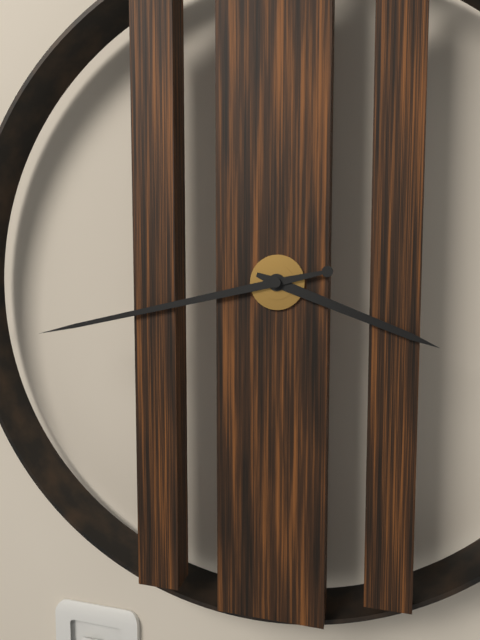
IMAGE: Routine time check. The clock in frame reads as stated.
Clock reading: 3:43
